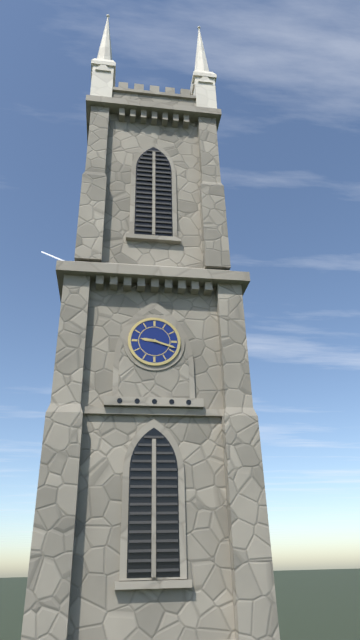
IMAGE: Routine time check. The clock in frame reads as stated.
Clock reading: 9:18
